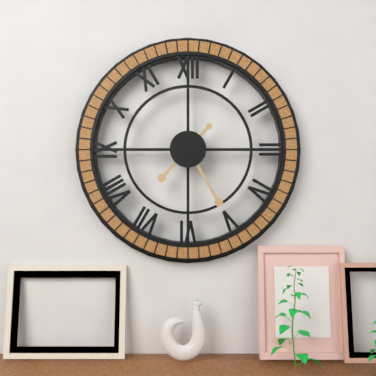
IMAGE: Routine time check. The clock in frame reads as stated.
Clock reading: 7:25
